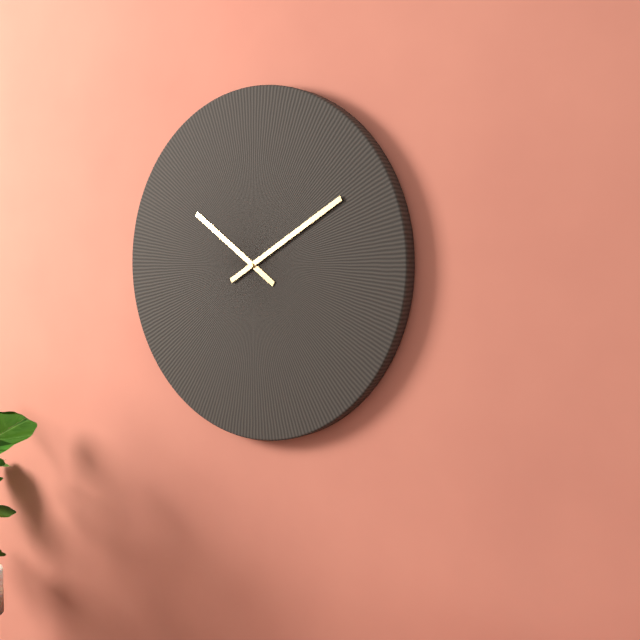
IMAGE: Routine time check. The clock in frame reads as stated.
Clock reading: 10:10
